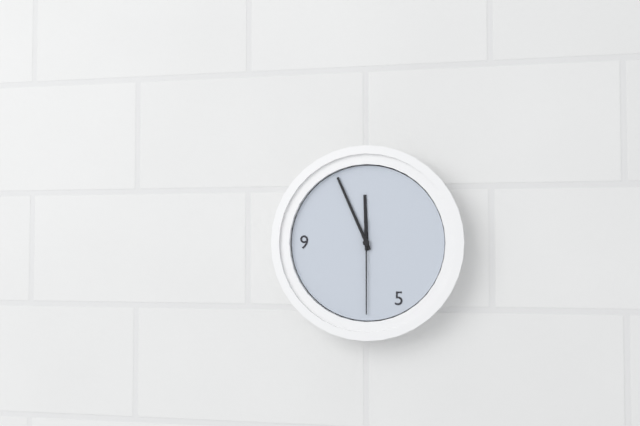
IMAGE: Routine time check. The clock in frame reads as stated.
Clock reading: 11:56:30
